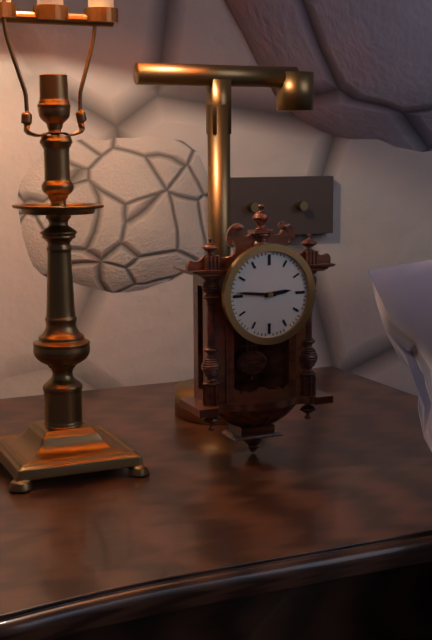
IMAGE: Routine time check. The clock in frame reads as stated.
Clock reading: 2:46
